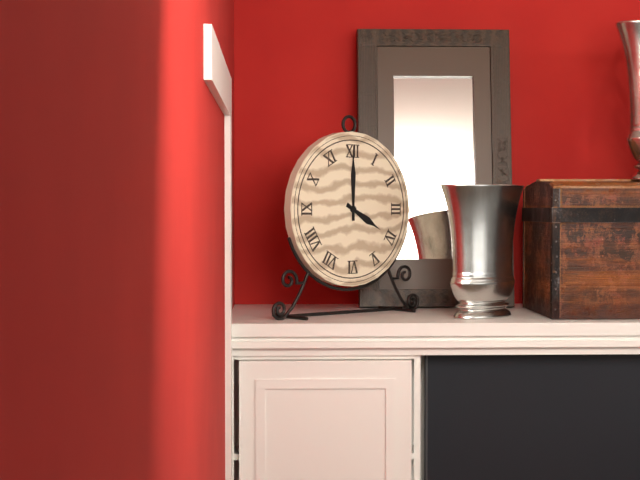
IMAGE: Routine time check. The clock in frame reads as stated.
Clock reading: 4:00
